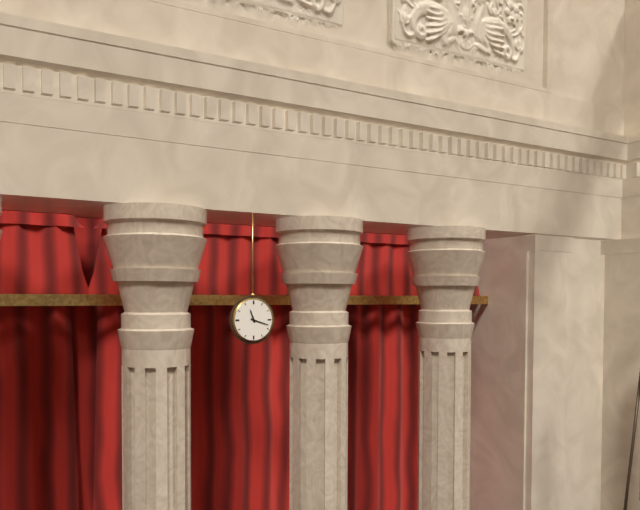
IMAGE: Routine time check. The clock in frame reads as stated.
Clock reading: 11:18
